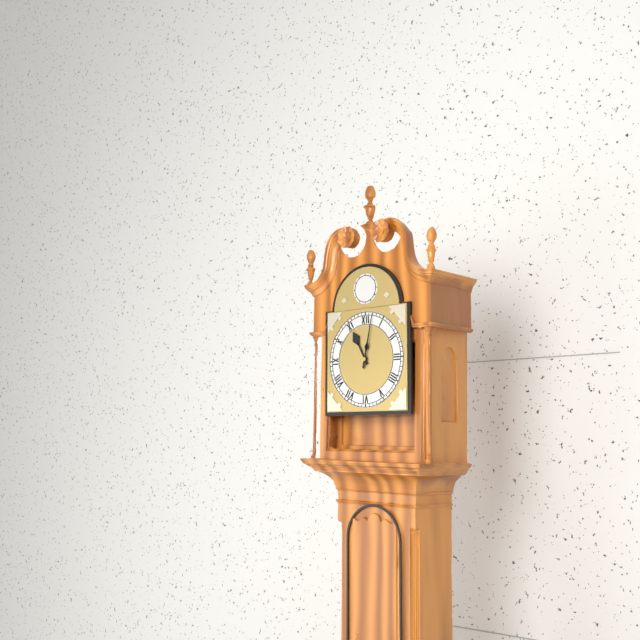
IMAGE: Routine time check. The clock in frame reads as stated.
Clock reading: 11:02
